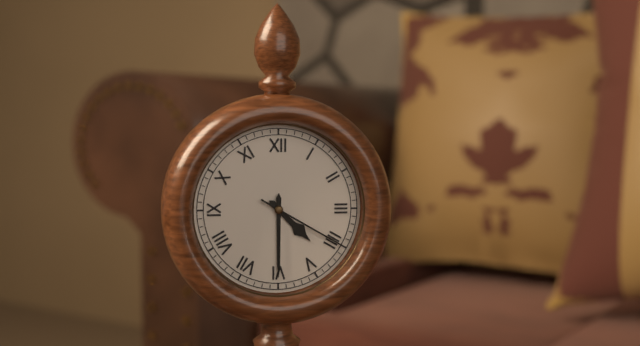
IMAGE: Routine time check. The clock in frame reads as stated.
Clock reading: 4:30:20
